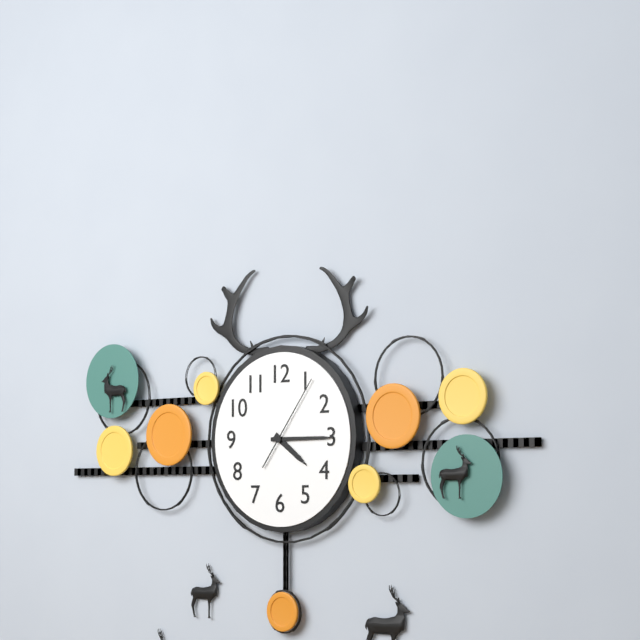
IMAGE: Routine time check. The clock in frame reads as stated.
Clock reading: 4:15:06
